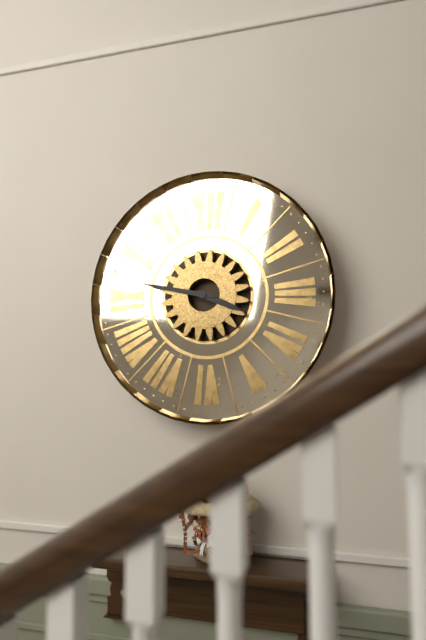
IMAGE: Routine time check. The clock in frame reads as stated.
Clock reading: 3:47
